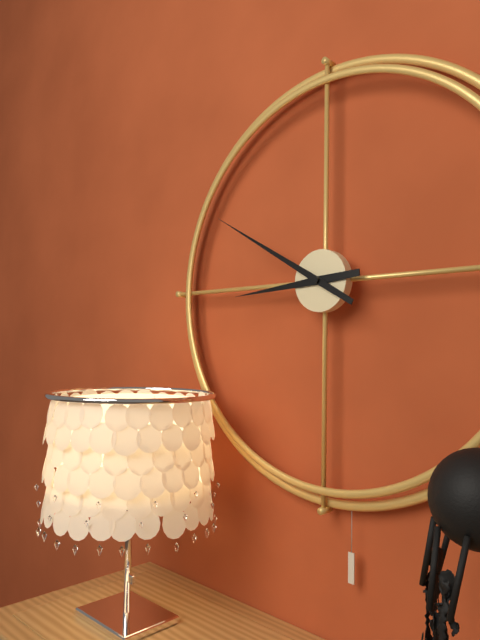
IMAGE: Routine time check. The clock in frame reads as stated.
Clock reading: 8:50
